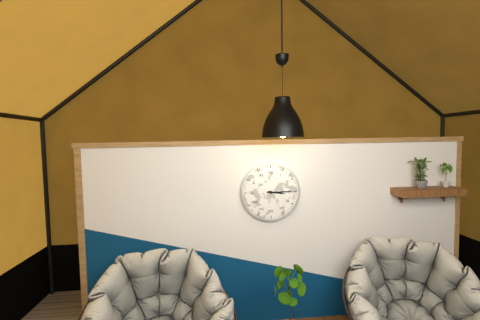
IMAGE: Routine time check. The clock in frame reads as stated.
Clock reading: 3:15
